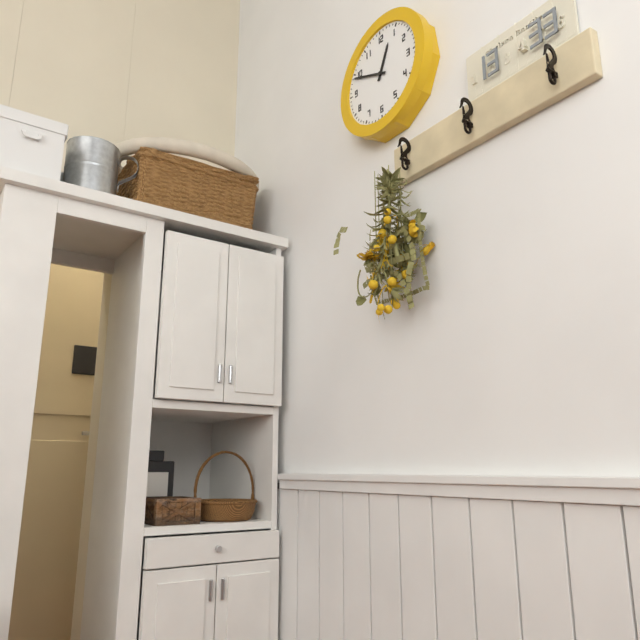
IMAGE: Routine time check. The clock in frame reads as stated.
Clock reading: 12:49
